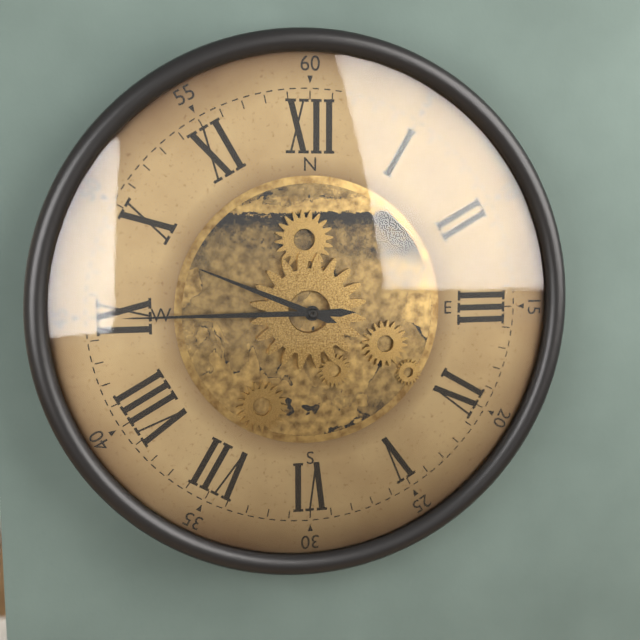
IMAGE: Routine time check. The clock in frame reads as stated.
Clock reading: 9:45
